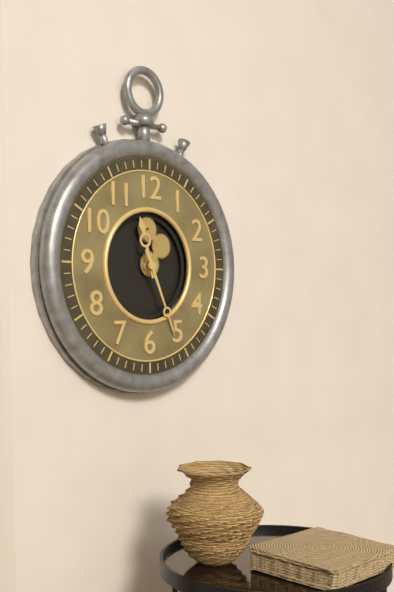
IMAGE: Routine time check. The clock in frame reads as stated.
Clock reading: 11:26
